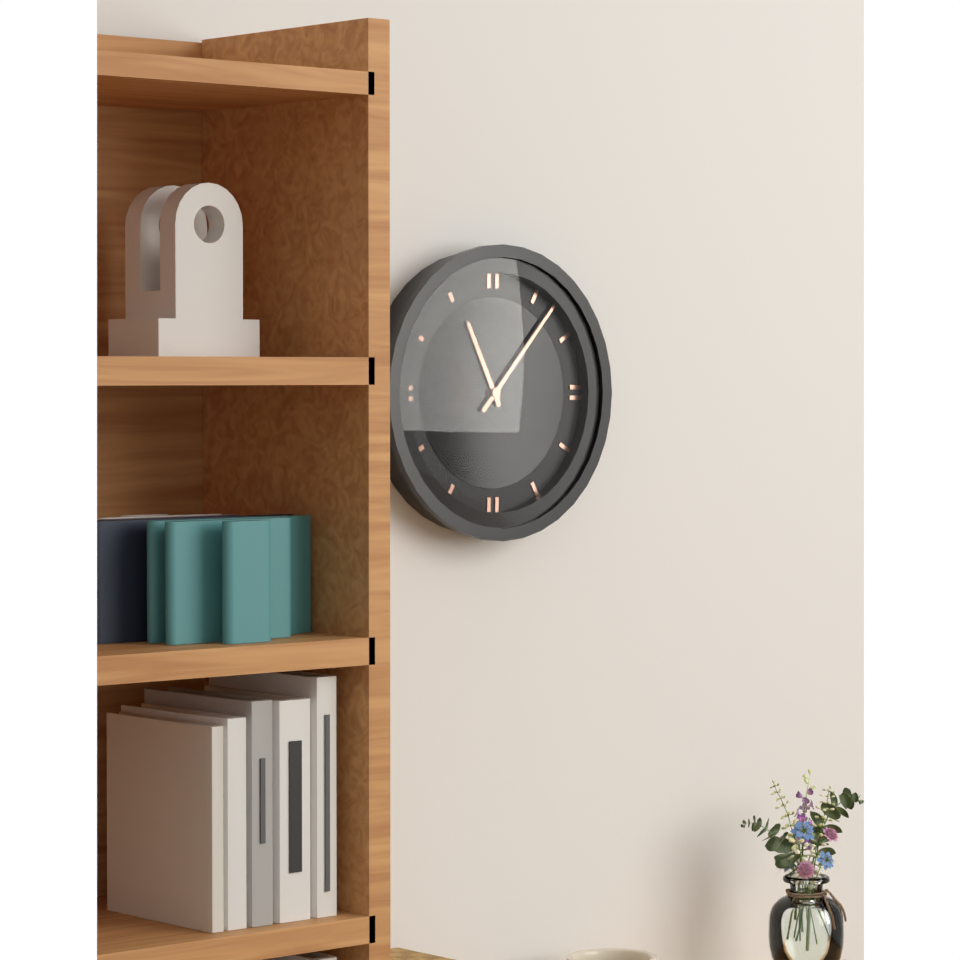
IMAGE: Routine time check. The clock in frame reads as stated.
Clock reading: 11:07
